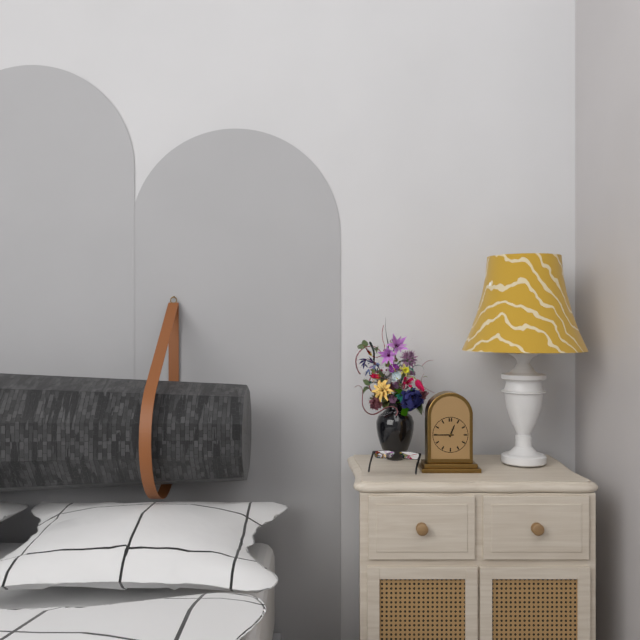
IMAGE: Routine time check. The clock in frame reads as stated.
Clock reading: 12:45
